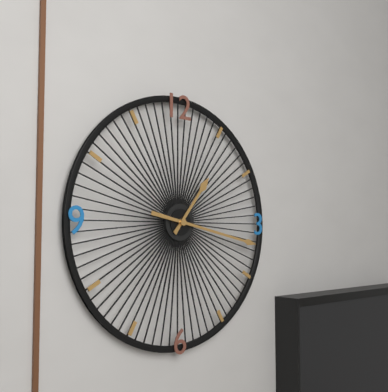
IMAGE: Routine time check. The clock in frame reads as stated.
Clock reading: 1:17
